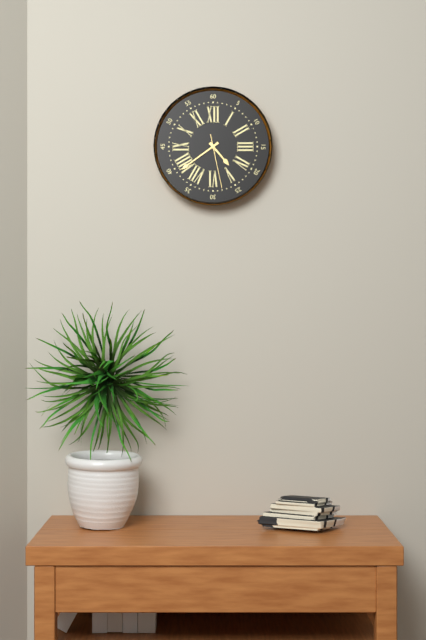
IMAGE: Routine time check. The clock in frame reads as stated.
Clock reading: 4:39:28
